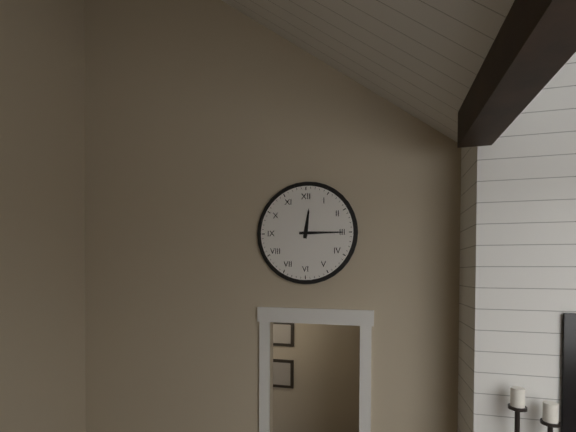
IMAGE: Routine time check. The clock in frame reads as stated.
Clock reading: 12:15
